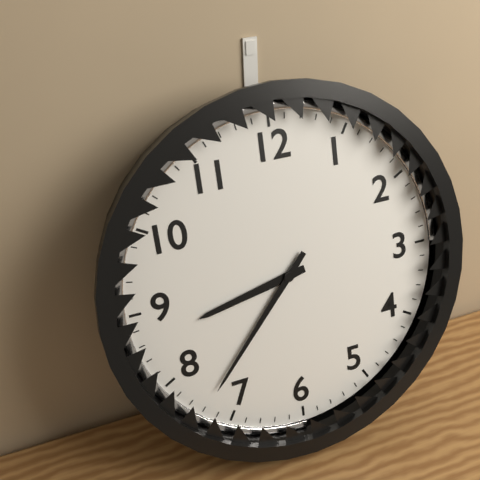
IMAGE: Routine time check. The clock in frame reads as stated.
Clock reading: 8:37
